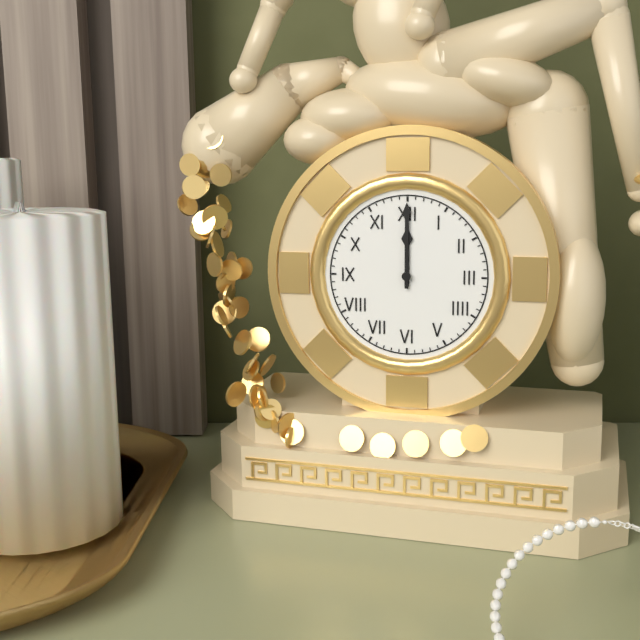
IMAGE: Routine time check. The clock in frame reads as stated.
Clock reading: 12:00
